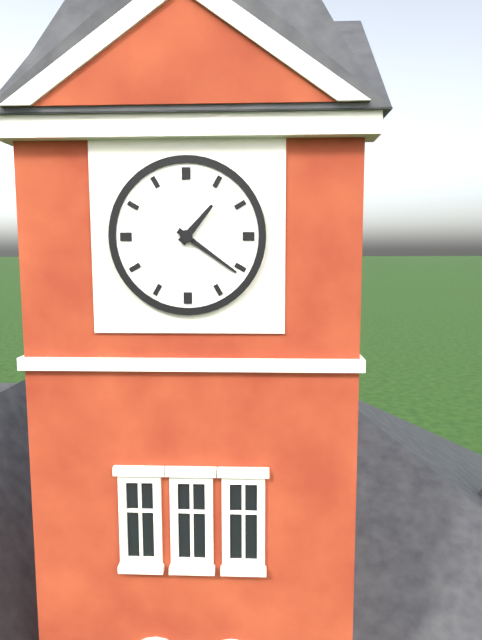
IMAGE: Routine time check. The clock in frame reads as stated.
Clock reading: 1:21
